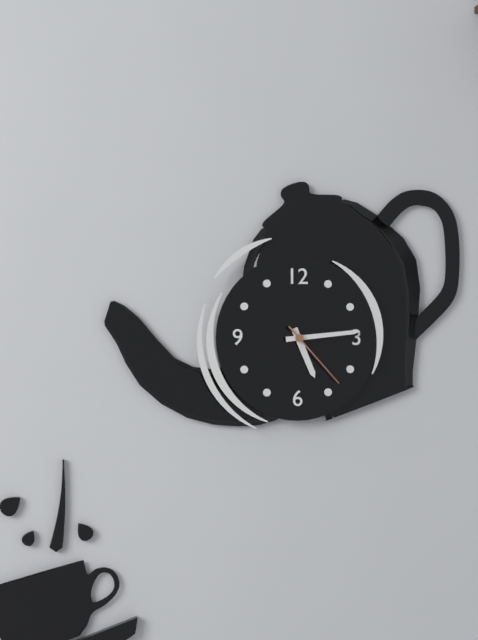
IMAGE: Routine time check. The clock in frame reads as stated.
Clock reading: 5:14:23
